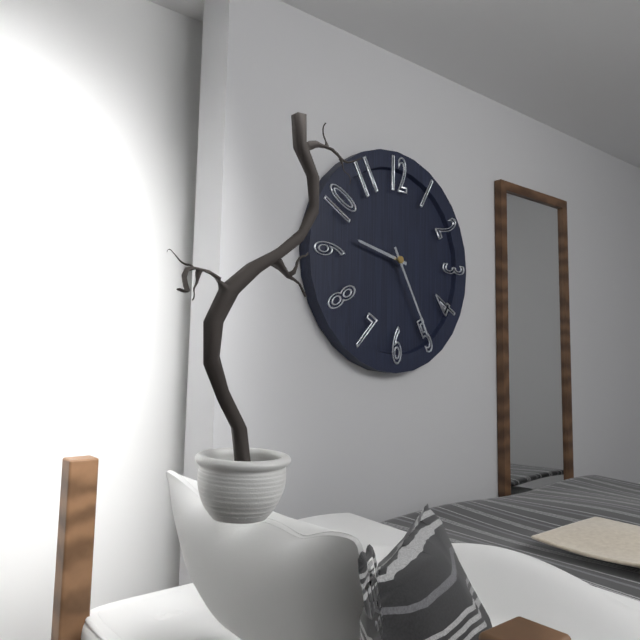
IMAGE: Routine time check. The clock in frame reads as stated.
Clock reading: 9:25
